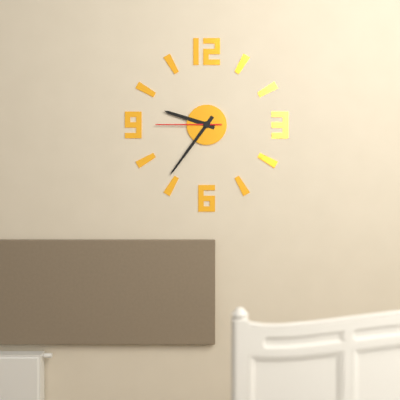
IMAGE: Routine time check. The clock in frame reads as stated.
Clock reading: 9:36:45
